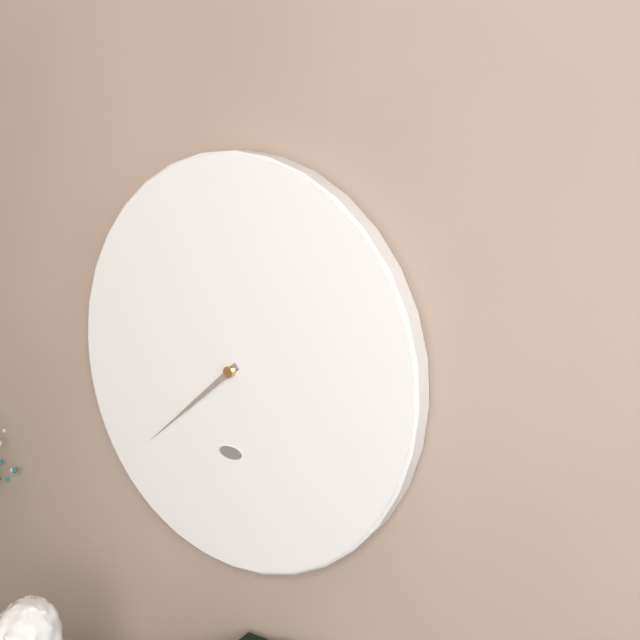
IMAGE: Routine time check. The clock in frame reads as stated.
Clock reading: 7:38
